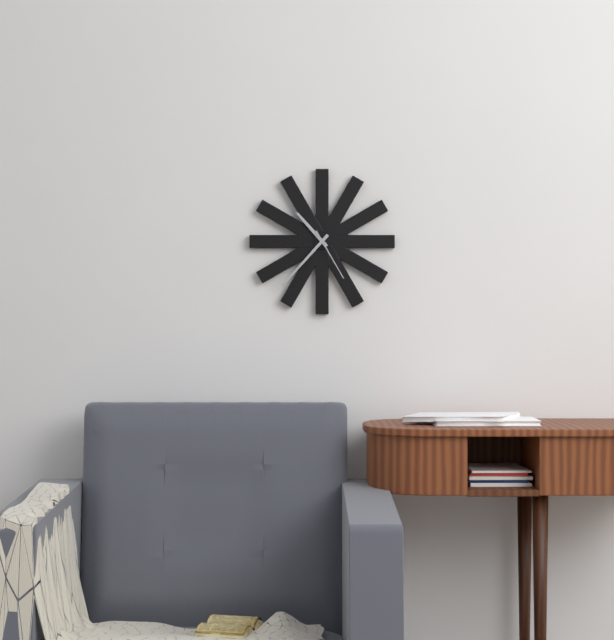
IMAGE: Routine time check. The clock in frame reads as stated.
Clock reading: 10:37:25
